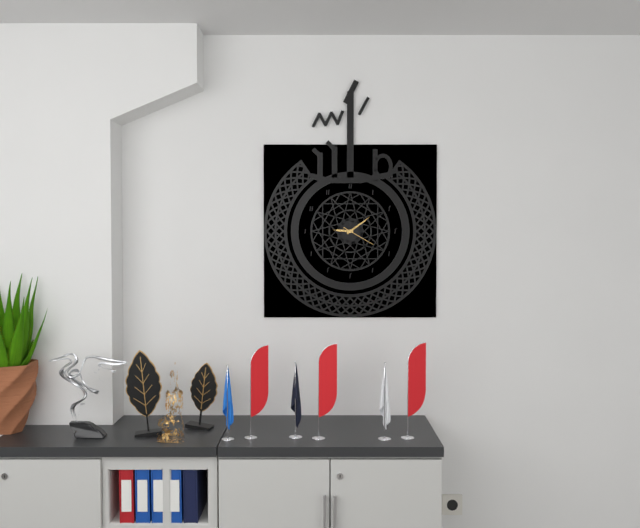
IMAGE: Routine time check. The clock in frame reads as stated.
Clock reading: 9:09
